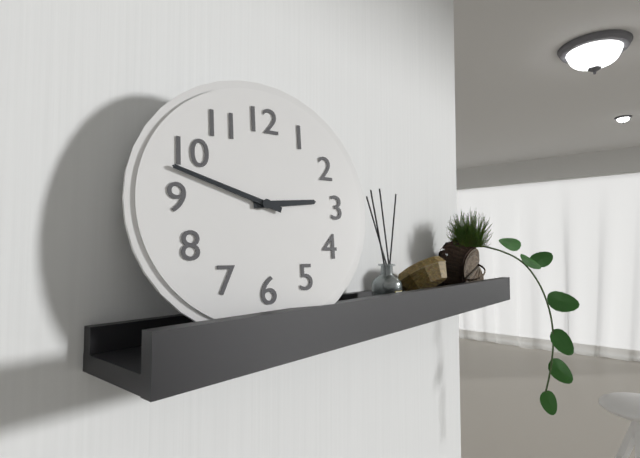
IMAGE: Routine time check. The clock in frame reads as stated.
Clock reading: 2:48
